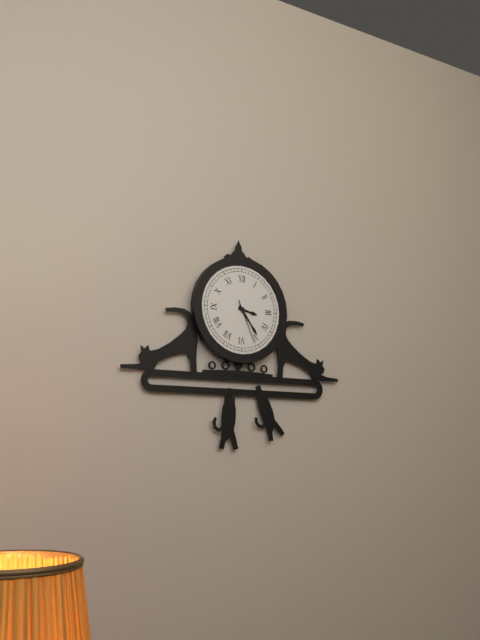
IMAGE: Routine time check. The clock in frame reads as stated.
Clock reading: 3:24
